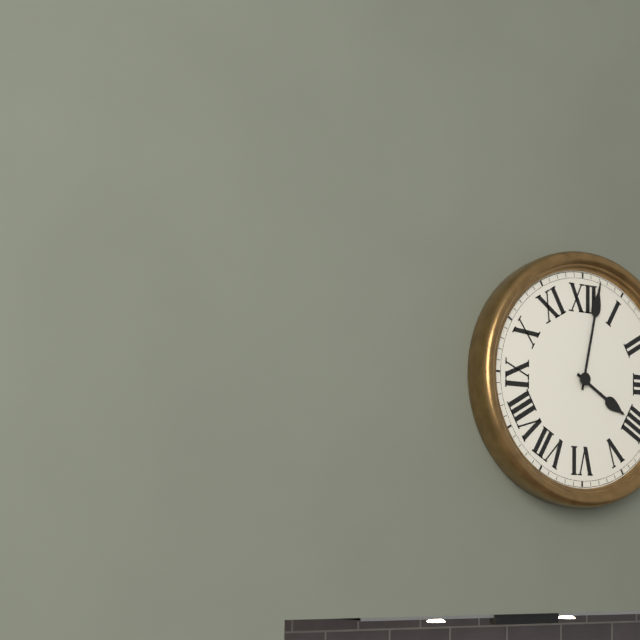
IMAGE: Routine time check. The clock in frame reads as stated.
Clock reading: 4:02
